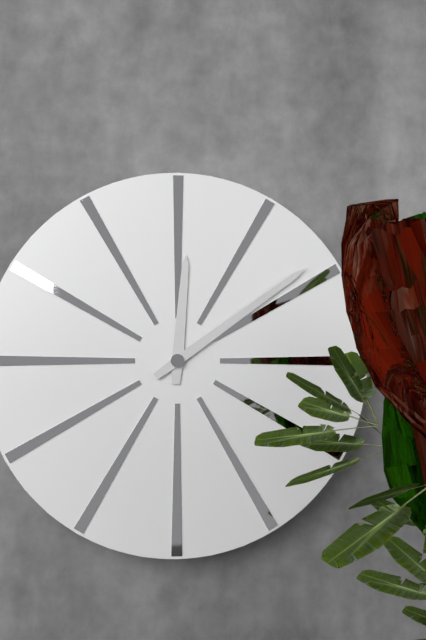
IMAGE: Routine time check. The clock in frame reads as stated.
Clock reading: 12:09
